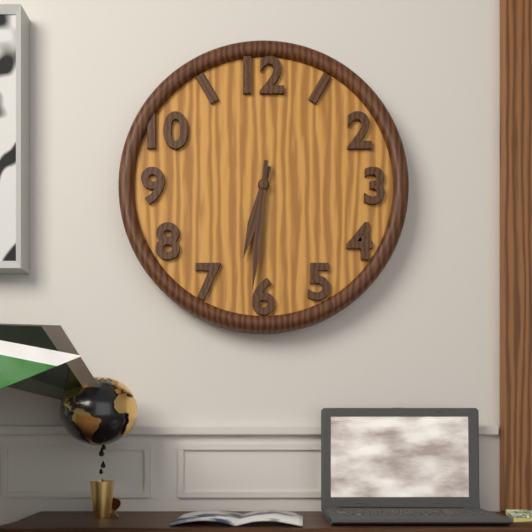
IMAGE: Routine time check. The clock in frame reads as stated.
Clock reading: 6:31
